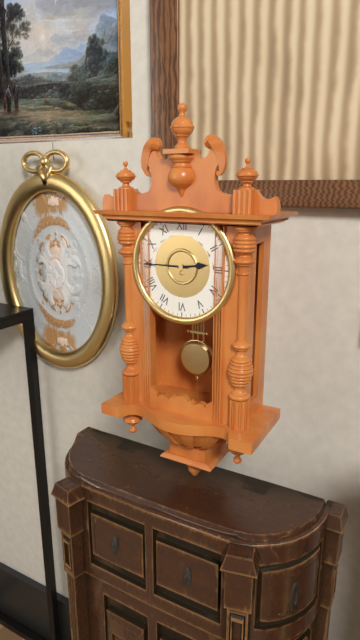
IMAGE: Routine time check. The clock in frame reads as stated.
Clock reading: 2:45
